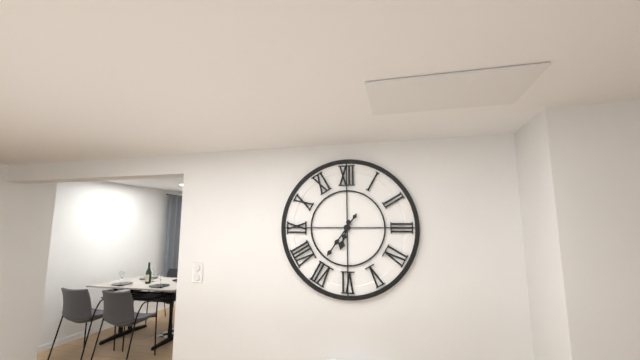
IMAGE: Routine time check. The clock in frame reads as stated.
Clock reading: 6:36
